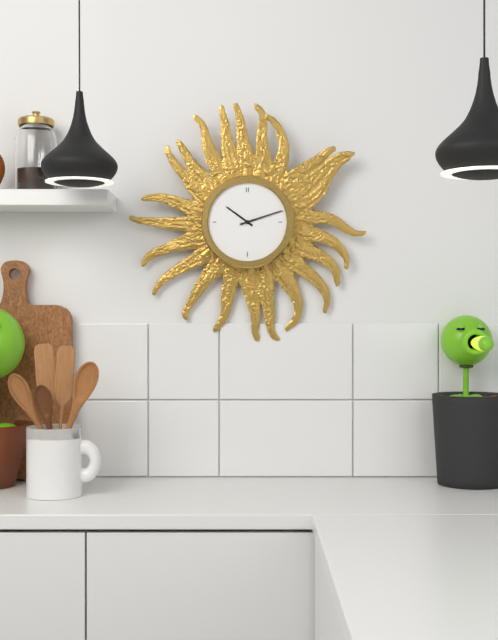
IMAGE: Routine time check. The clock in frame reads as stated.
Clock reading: 10:12
